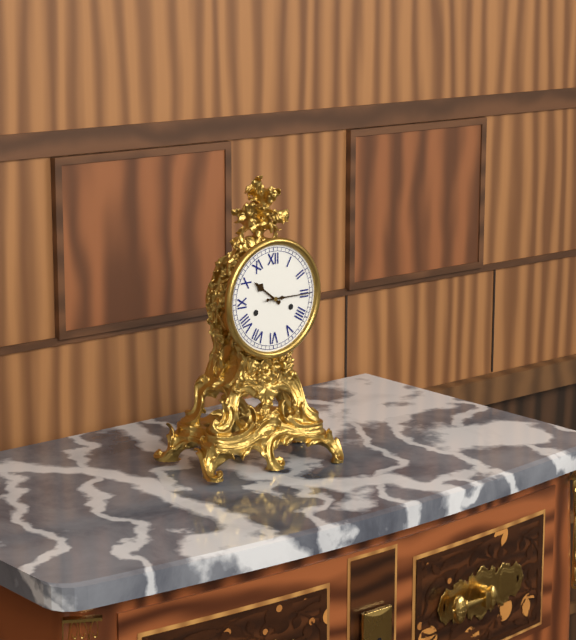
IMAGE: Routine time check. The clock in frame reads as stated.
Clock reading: 10:15
